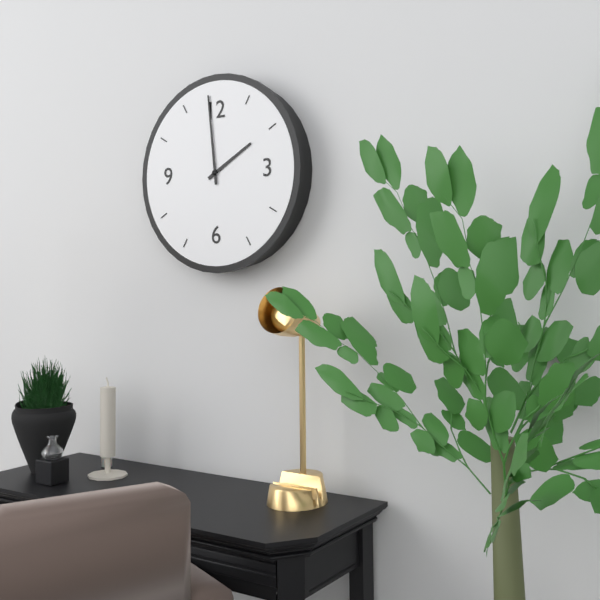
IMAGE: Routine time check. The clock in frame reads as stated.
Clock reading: 1:59
